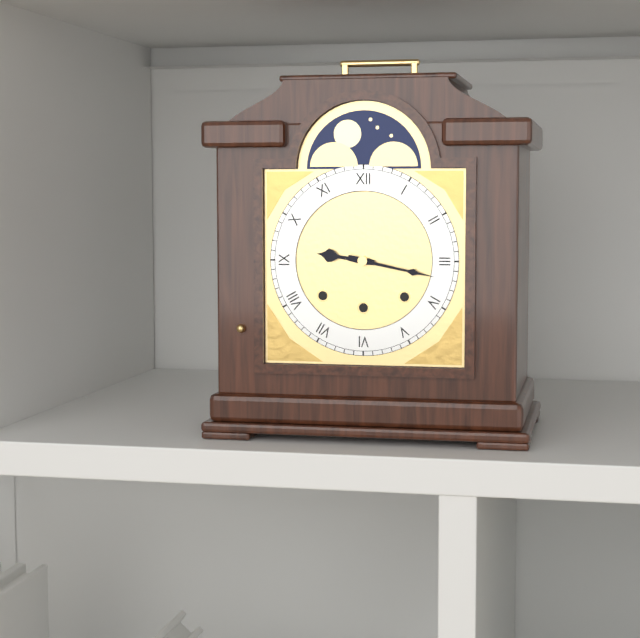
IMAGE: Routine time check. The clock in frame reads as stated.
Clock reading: 9:17
